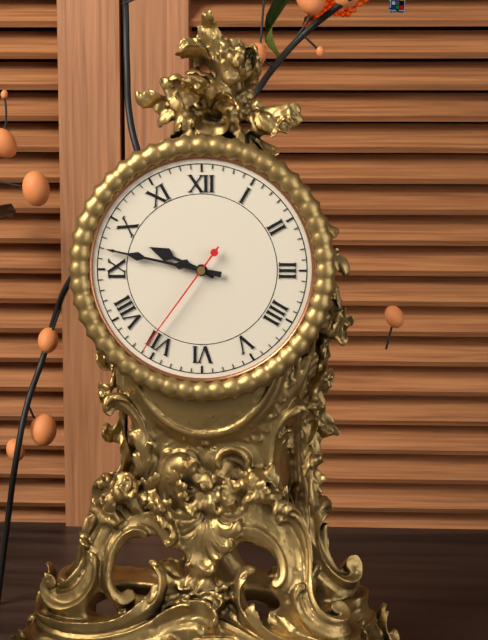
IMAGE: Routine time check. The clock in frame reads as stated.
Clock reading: 9:47:36
